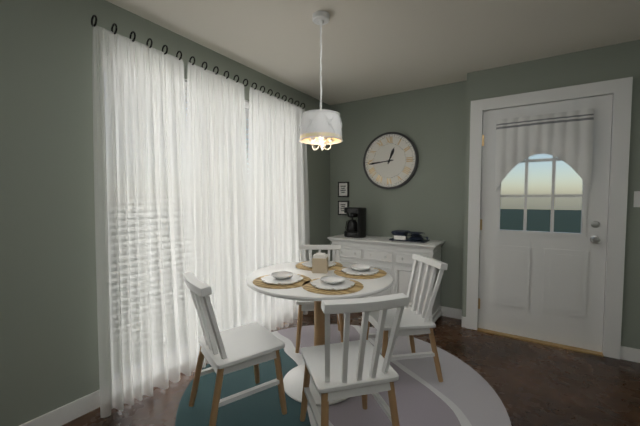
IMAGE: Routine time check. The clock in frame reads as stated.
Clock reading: 12:44
